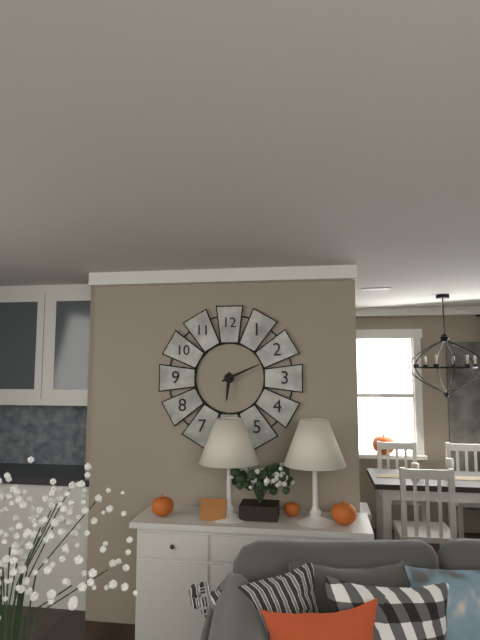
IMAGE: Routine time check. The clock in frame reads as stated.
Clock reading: 6:11
